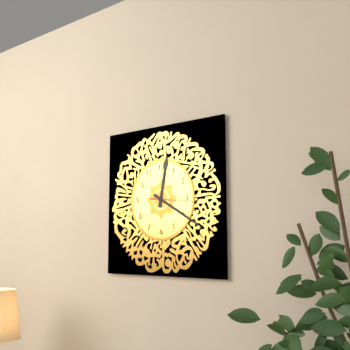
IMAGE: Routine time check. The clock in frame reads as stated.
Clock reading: 12:20
